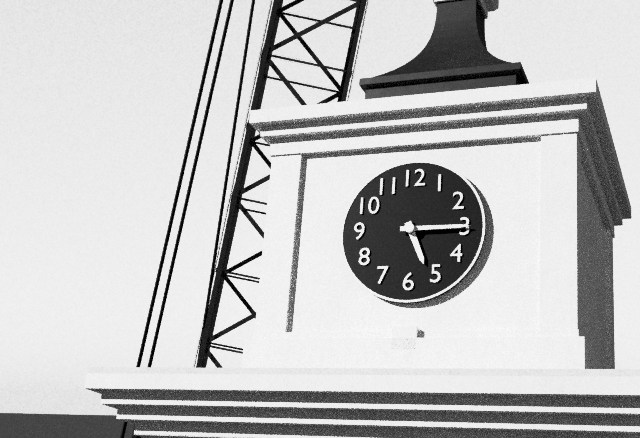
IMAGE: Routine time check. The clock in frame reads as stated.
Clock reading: 5:15
